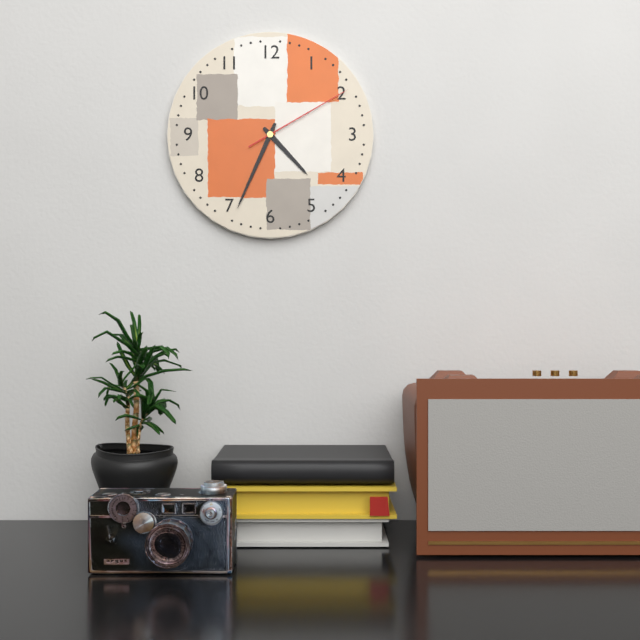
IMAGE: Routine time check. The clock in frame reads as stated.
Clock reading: 4:34:10
